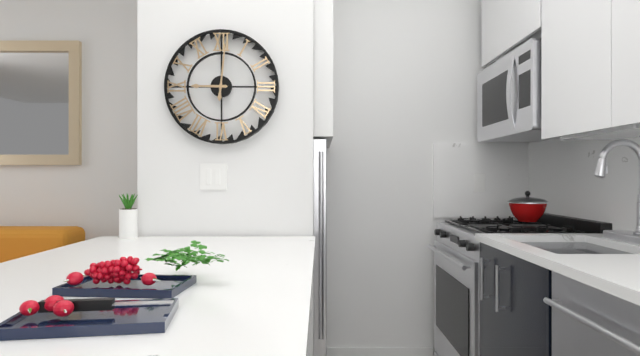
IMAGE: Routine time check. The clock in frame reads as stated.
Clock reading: 9:01
